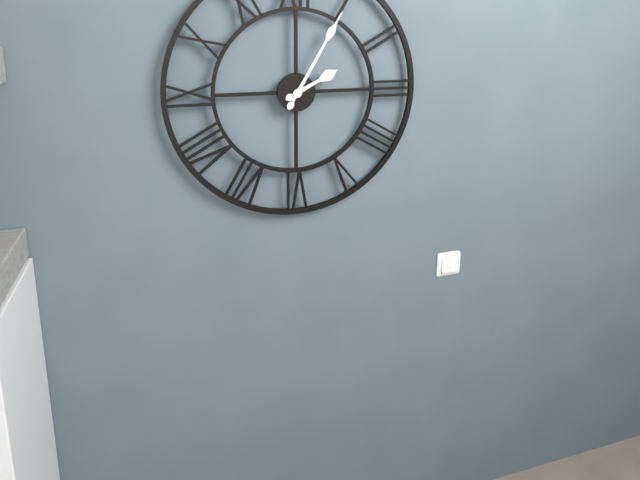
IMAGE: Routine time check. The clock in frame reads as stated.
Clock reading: 2:05
